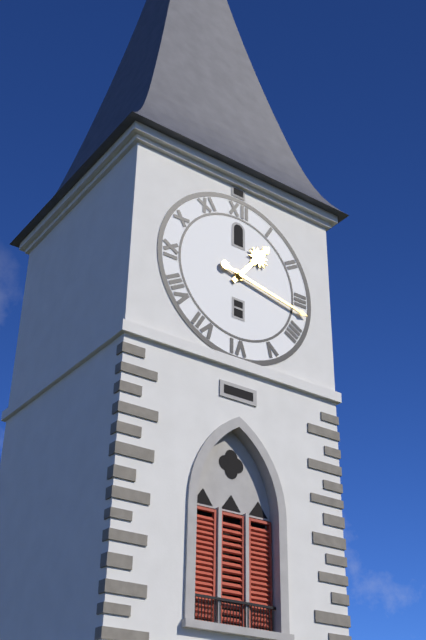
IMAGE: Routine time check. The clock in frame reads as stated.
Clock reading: 1:17
